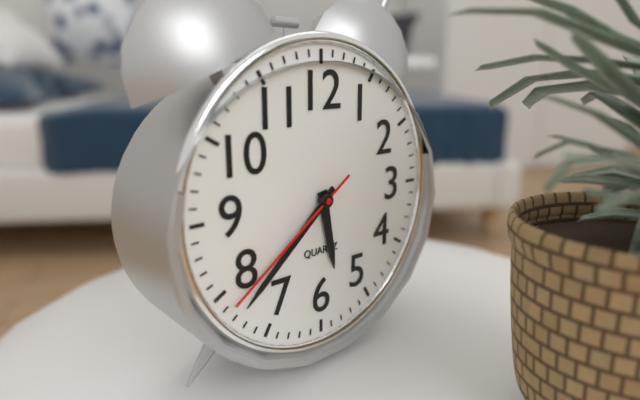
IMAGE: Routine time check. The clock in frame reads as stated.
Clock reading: 5:38:39
